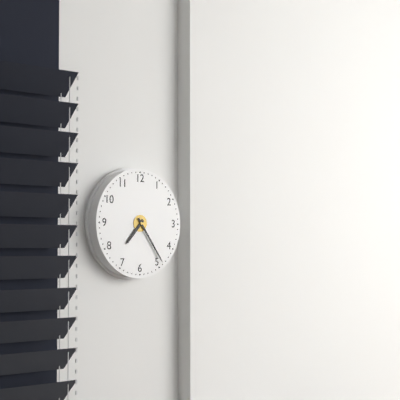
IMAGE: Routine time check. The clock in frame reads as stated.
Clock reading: 7:24
